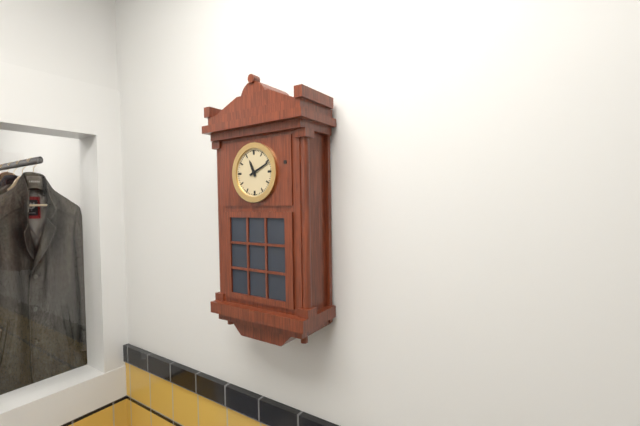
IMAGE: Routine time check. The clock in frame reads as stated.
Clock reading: 11:11
